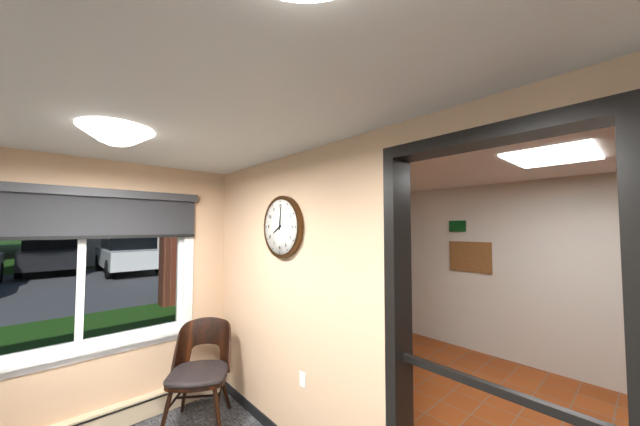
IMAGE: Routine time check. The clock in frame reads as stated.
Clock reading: 8:01
